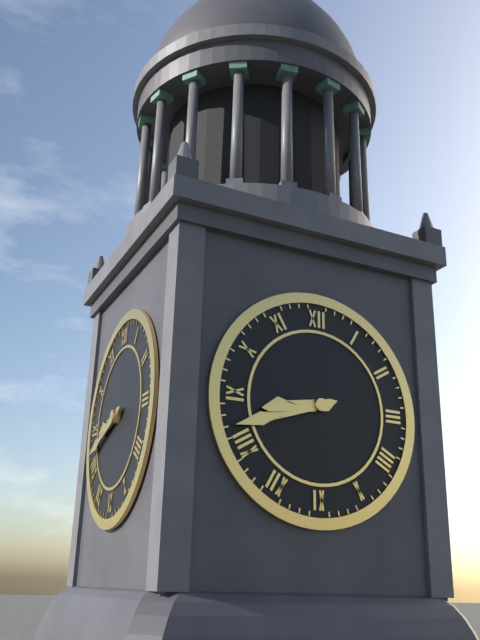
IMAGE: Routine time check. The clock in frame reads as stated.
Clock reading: 8:42
